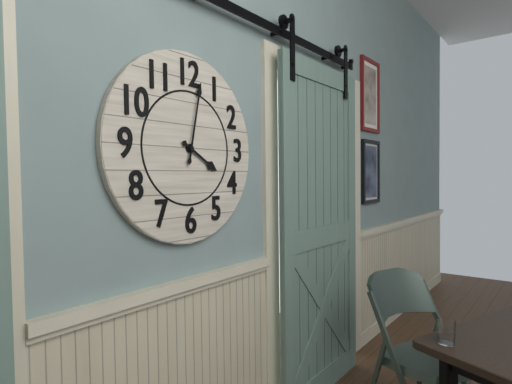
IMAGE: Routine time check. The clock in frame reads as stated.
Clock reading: 4:02
